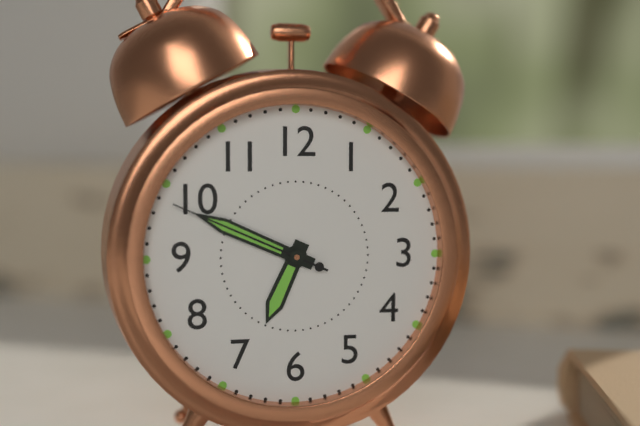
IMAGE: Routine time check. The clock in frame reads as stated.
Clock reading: 6:49:49
